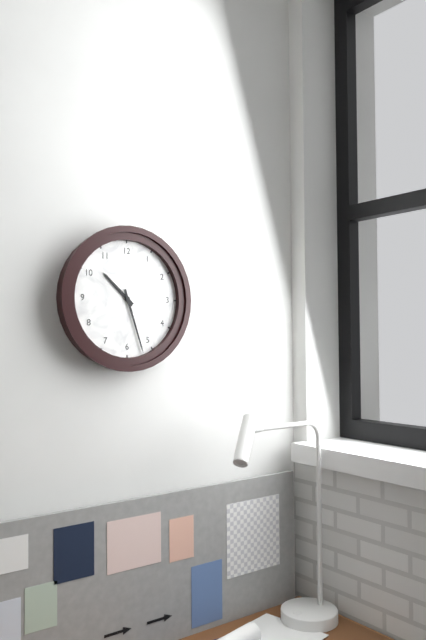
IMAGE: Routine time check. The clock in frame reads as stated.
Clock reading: 10:27
